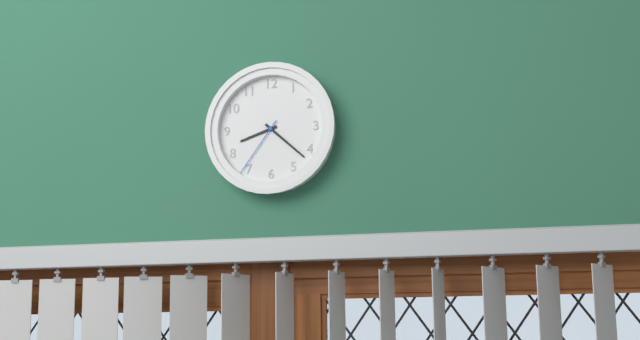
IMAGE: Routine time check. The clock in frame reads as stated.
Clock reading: 8:22:36
